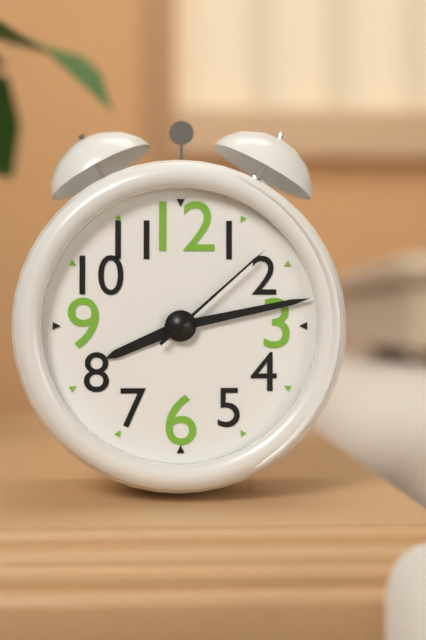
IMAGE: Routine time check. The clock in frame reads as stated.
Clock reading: 8:13:08
